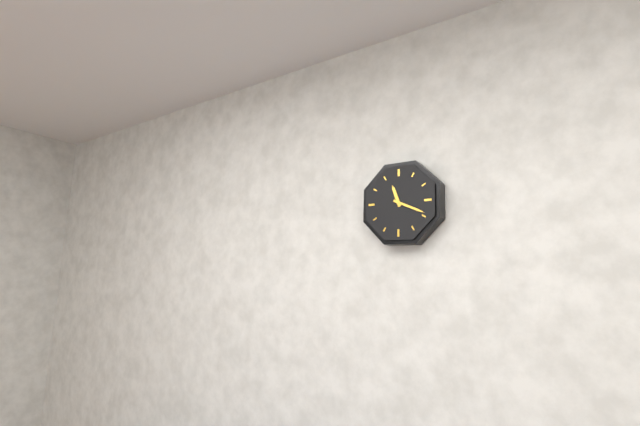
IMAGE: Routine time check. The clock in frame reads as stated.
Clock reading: 11:19
